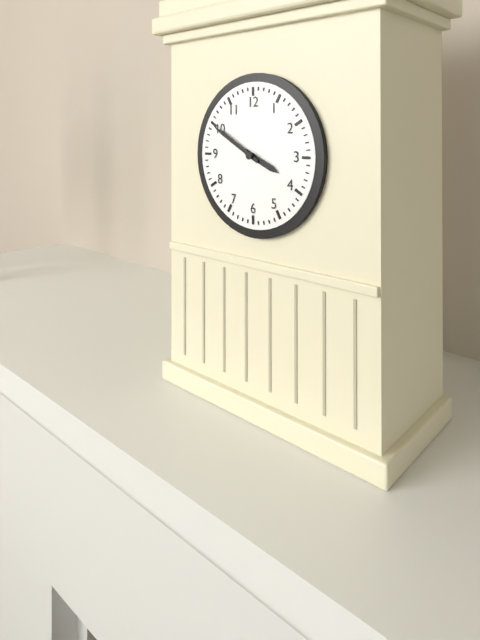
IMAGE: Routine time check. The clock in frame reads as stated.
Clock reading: 3:50
